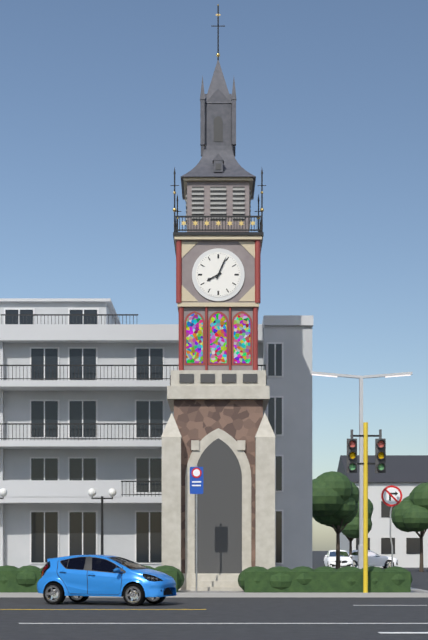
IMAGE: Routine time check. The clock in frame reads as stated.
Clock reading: 8:04
